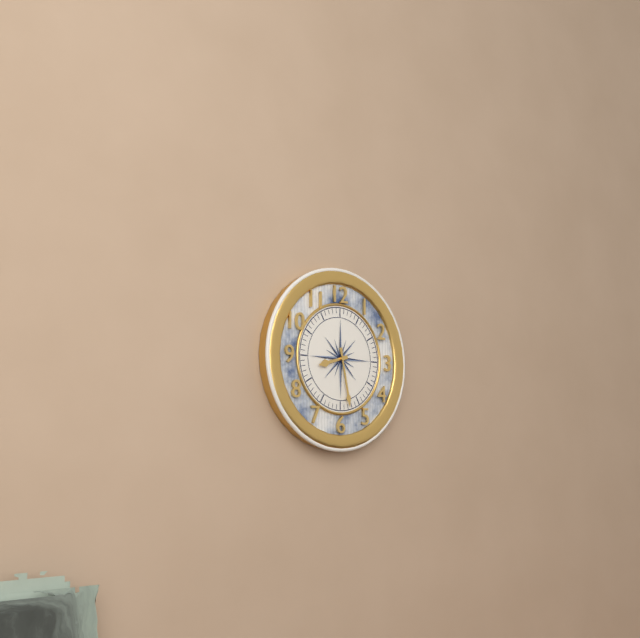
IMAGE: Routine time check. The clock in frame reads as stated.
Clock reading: 8:28
